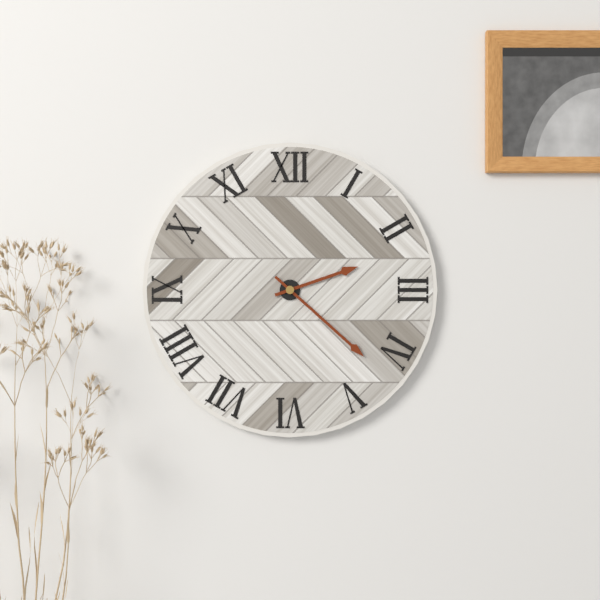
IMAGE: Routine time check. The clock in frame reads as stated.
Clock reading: 2:22
